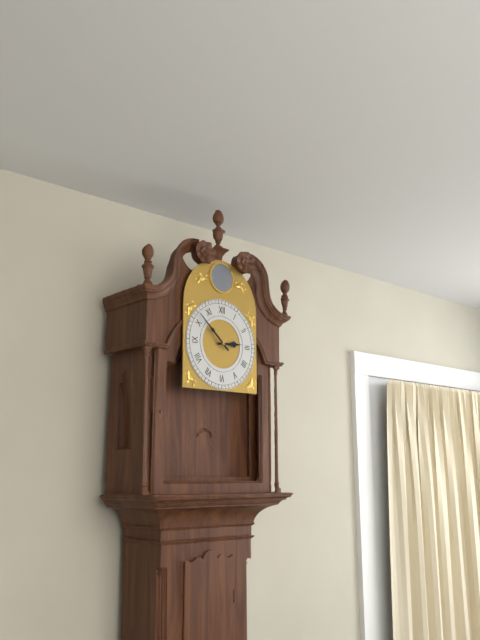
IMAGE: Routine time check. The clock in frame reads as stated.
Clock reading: 2:52
